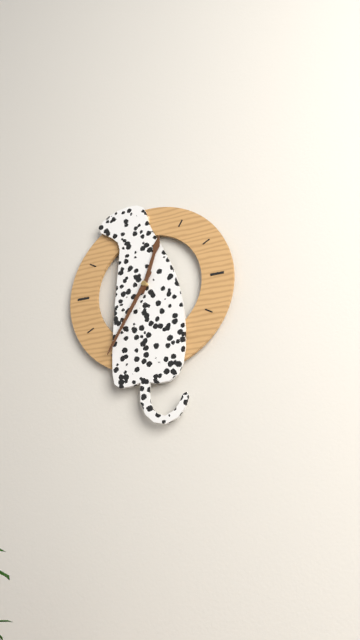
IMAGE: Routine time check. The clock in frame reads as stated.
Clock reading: 12:35
